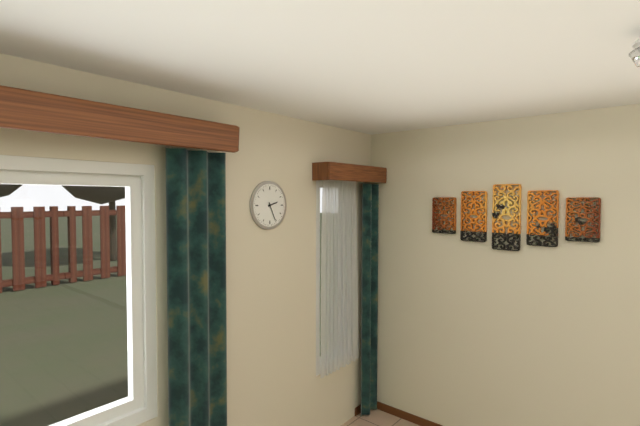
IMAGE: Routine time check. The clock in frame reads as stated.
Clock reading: 2:26
